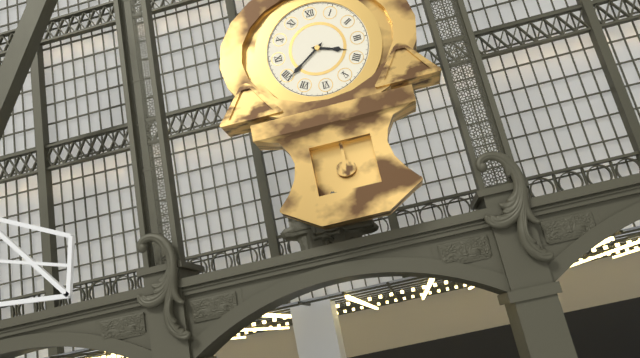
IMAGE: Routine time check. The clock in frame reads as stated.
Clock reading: 3:39
